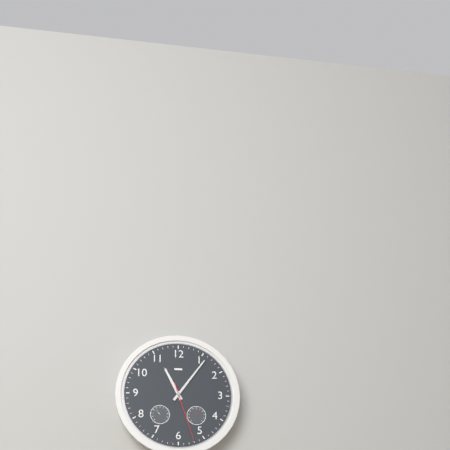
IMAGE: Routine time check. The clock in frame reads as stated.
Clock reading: 11:06:27
